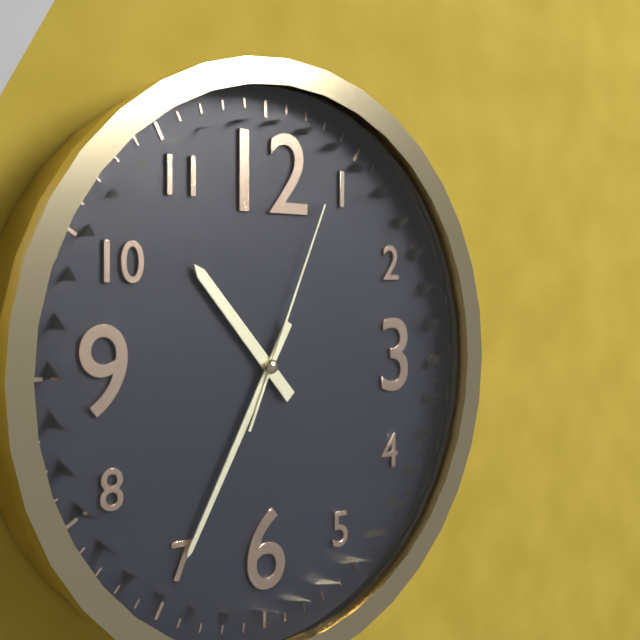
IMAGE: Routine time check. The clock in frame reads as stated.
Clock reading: 10:35:04
